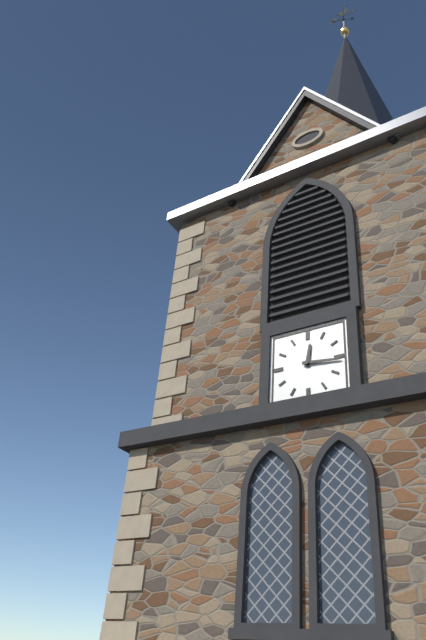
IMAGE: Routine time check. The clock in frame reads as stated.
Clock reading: 12:16
